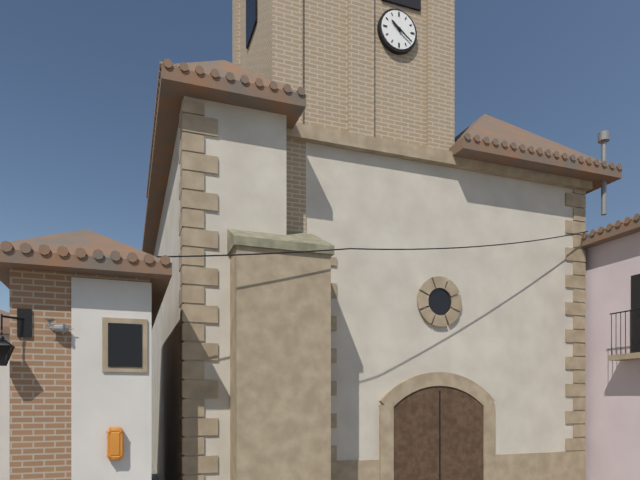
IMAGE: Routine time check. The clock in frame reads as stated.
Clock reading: 10:21
